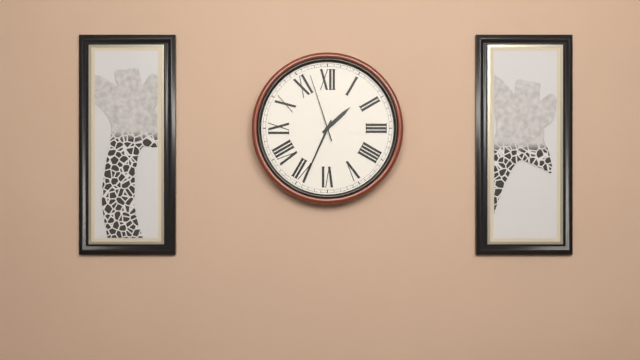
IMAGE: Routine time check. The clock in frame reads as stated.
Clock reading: 1:34:57
